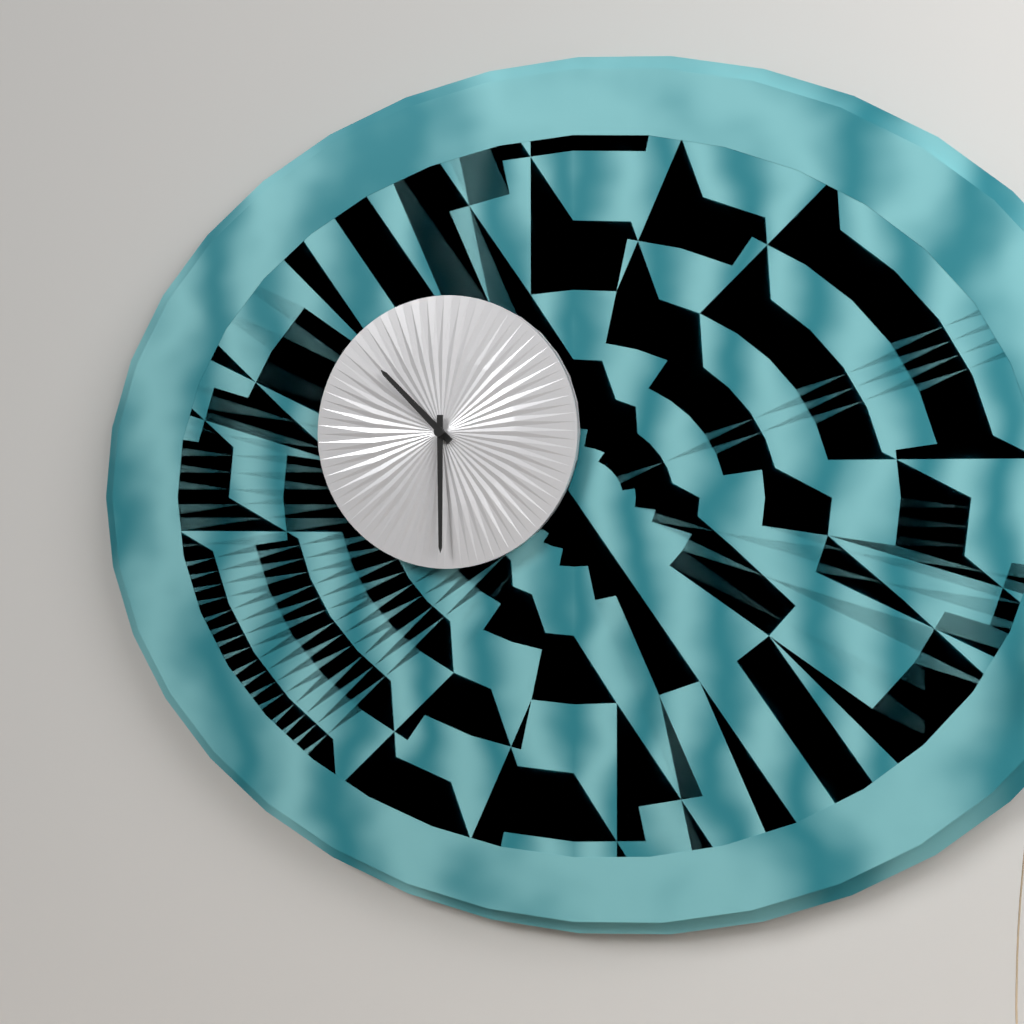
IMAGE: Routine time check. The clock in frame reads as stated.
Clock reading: 10:30
